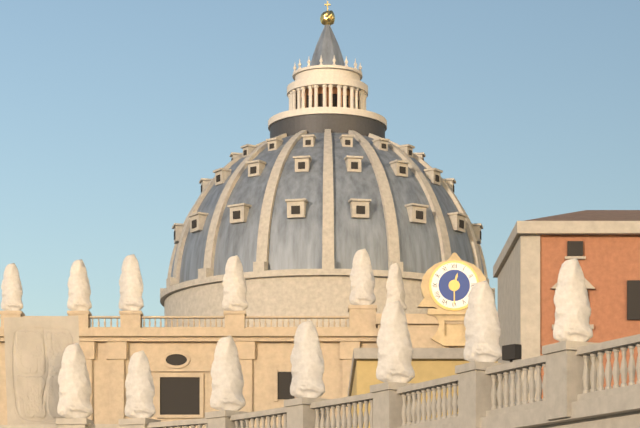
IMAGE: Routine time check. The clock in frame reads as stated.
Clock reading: 12:30
